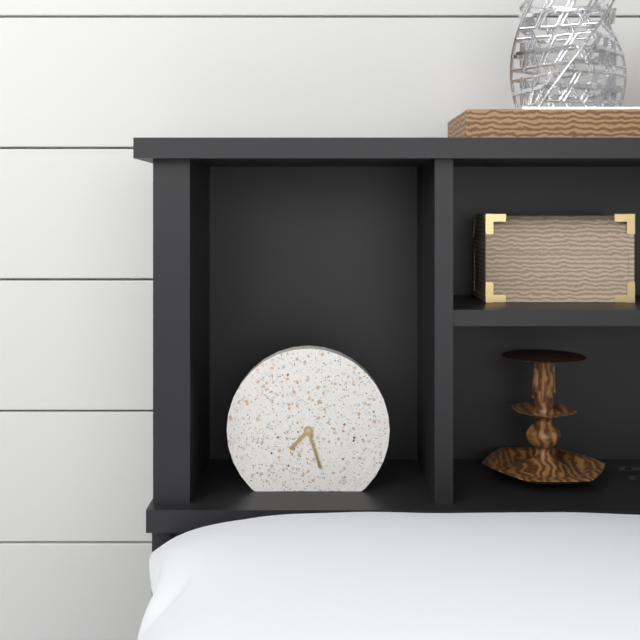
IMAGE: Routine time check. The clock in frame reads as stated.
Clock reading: 7:27
